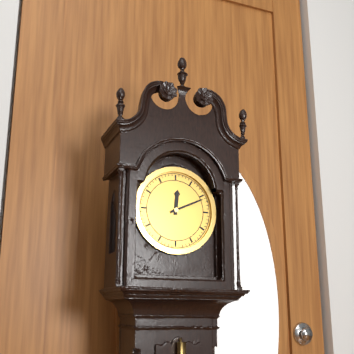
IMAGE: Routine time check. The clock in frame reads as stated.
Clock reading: 12:11
